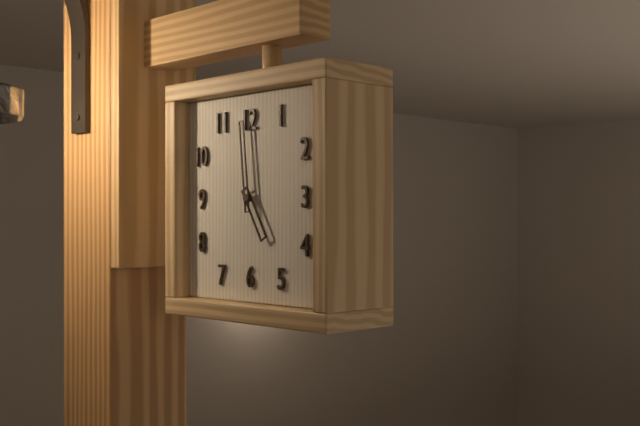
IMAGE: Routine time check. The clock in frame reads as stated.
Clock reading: 4:59
